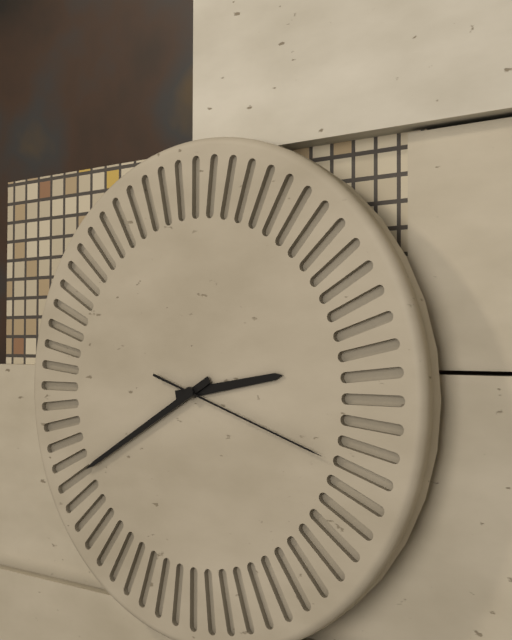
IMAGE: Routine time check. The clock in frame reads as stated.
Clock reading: 2:40:18
